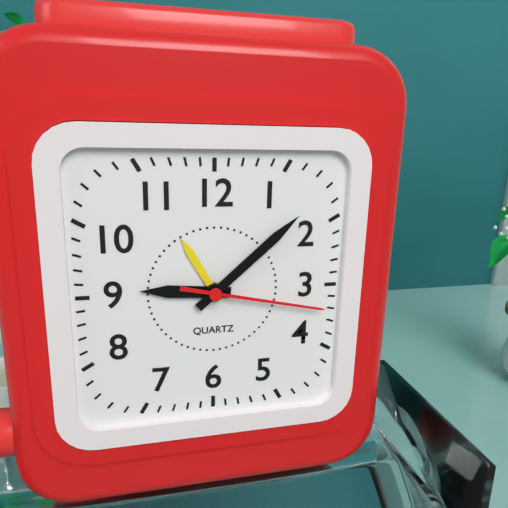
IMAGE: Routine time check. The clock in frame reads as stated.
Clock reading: 9:08:17
